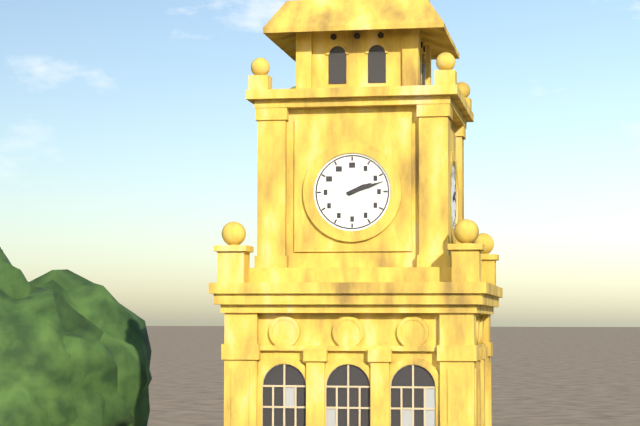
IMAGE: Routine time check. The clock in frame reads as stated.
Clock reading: 2:12
